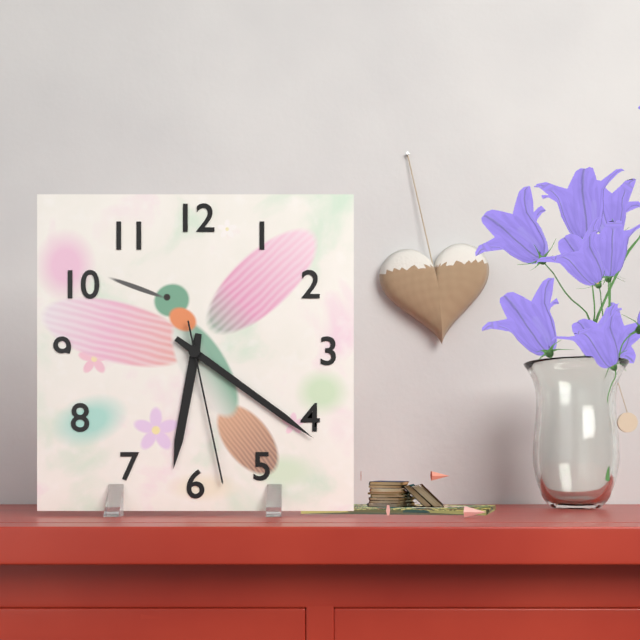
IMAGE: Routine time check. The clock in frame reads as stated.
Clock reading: 6:21:28
